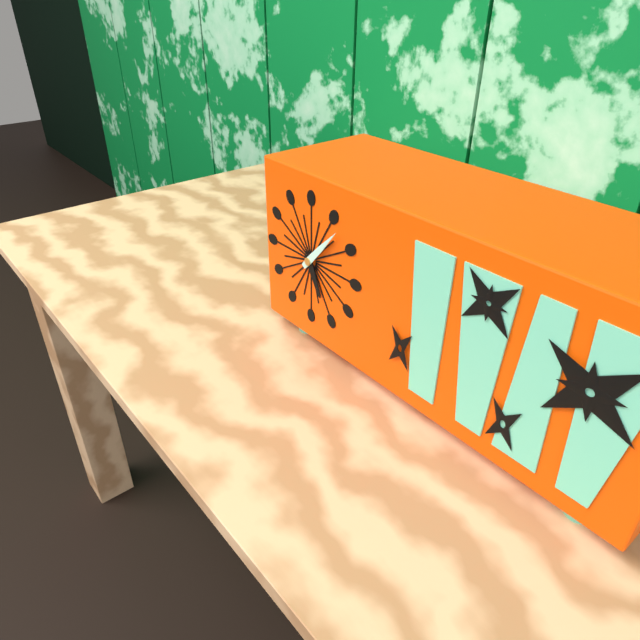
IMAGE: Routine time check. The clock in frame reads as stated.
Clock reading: 5:07
